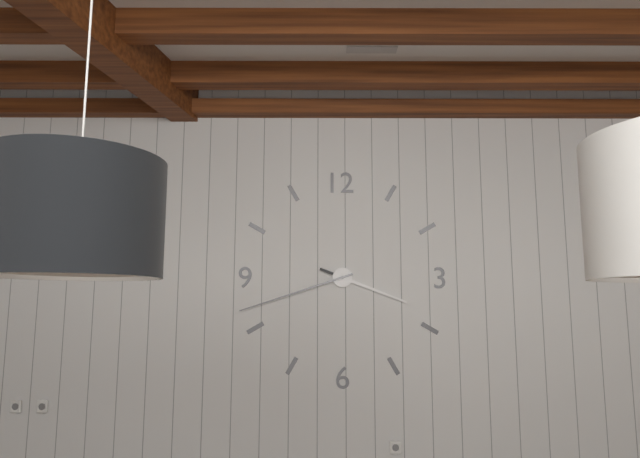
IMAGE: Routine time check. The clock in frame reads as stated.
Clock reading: 3:42
